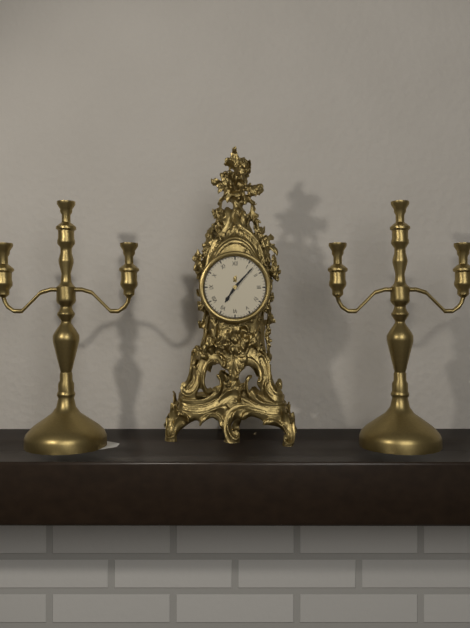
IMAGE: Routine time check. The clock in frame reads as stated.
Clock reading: 7:07
